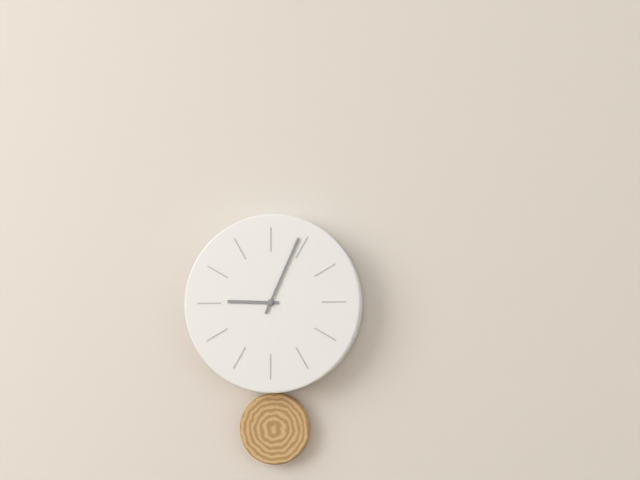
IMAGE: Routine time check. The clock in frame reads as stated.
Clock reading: 9:04
